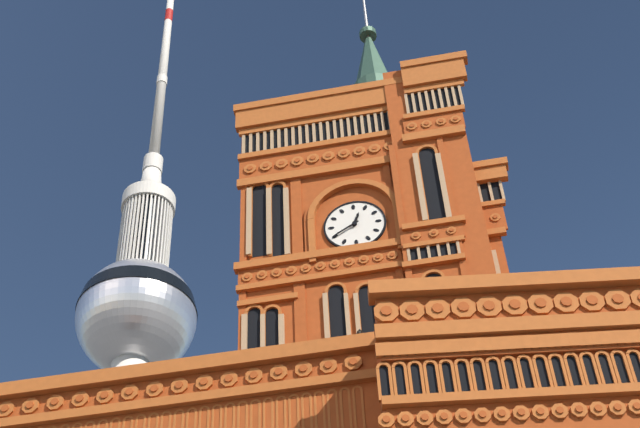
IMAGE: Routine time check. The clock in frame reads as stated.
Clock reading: 12:40
